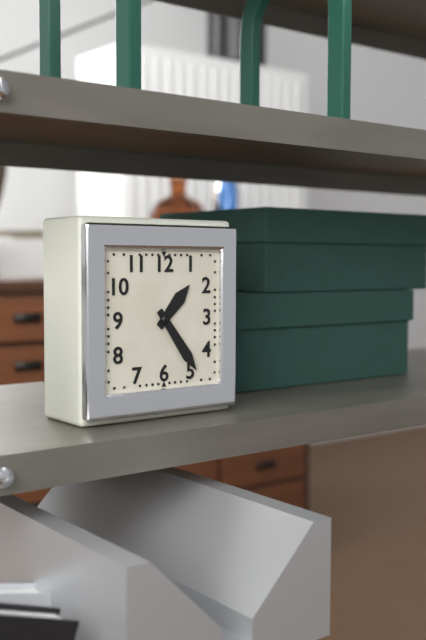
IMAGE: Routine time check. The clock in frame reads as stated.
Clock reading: 1:24
